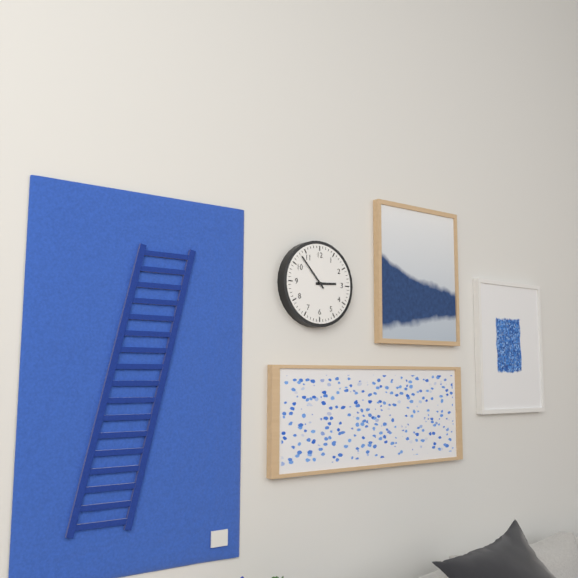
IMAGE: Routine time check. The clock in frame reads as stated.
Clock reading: 2:53
